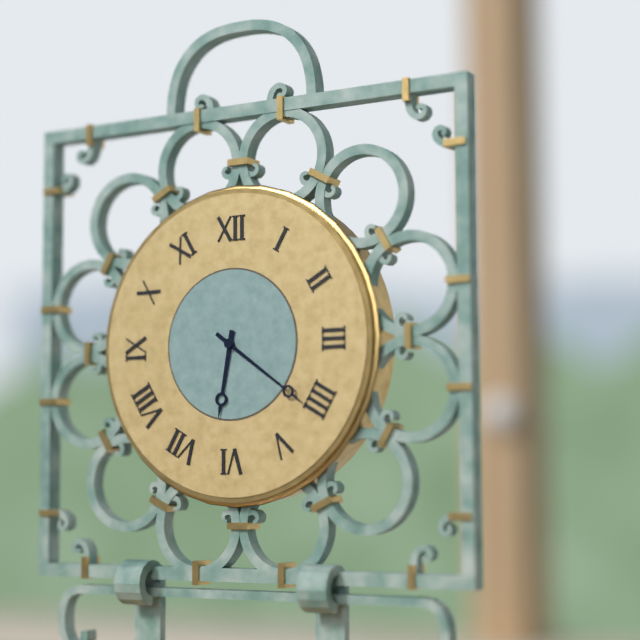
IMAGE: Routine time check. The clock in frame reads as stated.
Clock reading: 6:21
